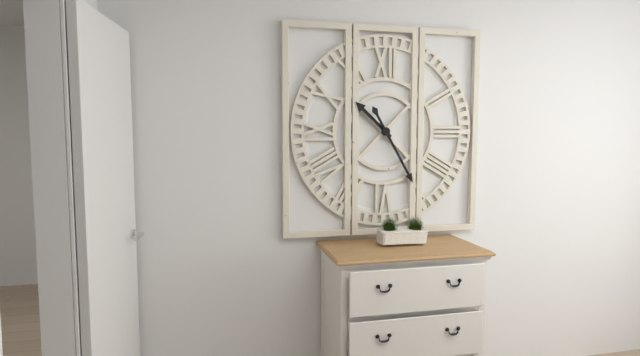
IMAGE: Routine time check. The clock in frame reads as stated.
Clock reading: 10:25
